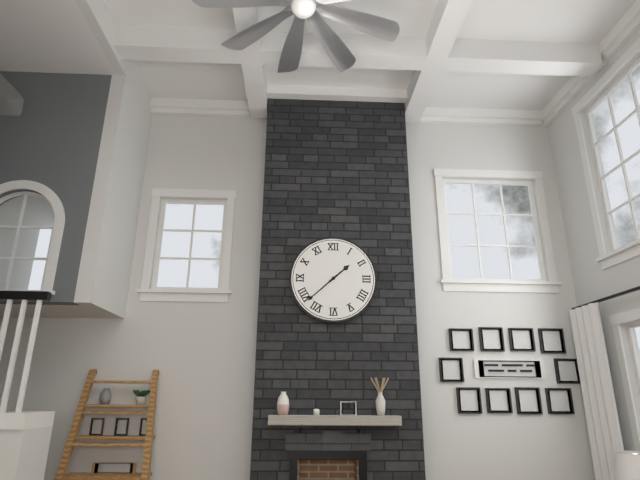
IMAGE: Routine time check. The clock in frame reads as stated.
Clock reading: 1:38
